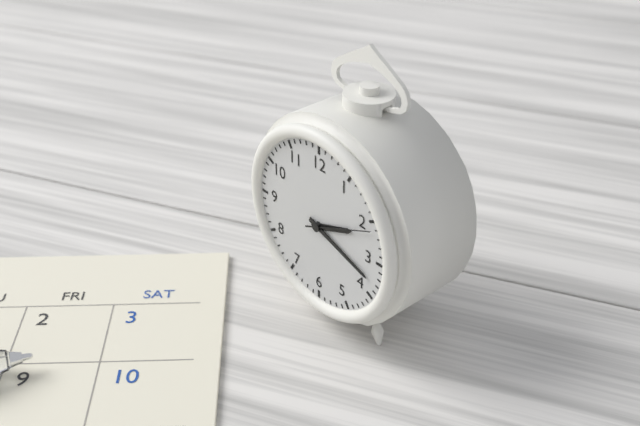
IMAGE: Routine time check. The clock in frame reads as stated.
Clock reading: 2:18:11
